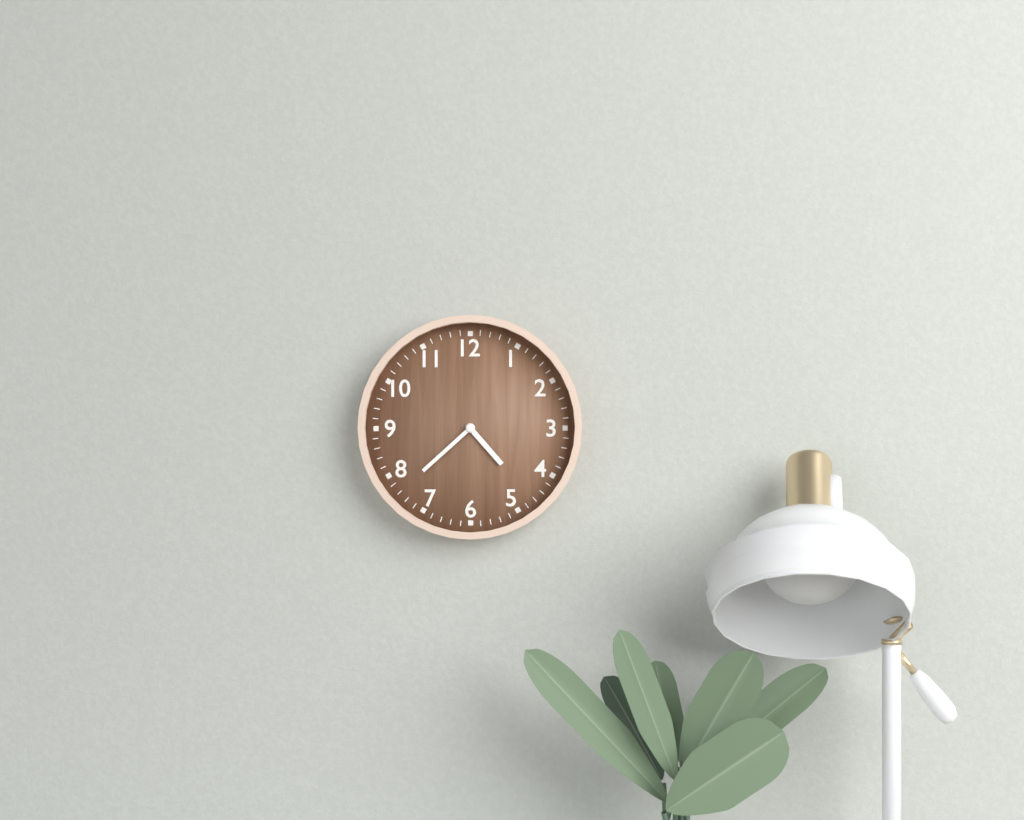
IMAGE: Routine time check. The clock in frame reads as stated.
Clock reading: 4:38
